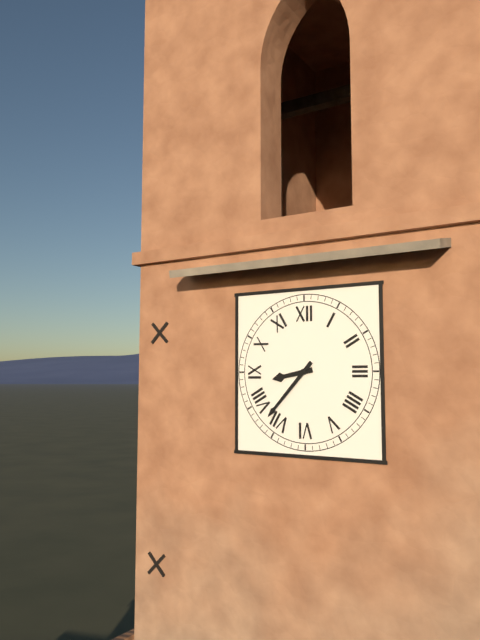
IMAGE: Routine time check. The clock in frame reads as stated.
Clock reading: 8:37
